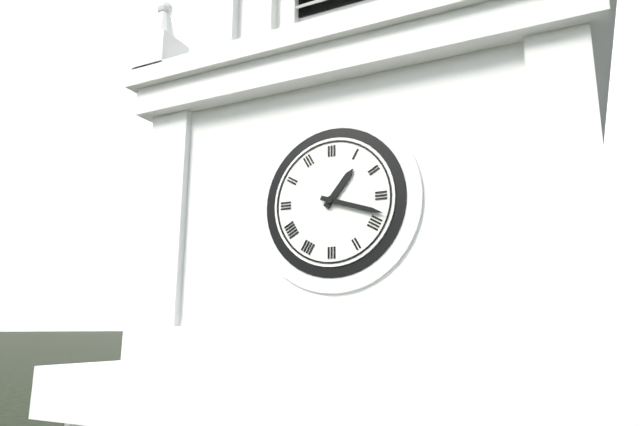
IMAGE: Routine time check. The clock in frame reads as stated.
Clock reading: 1:18
